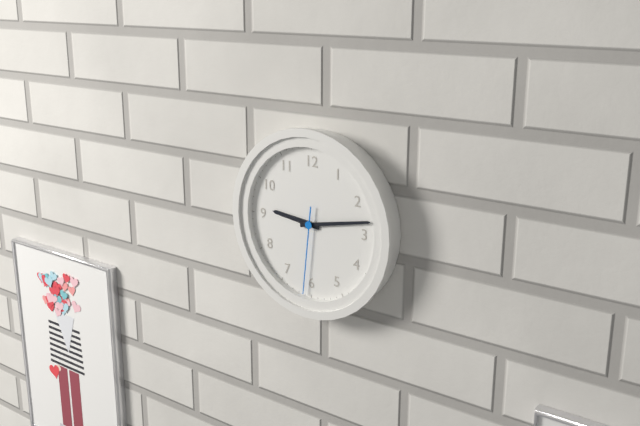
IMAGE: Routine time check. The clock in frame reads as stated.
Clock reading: 9:13:31
